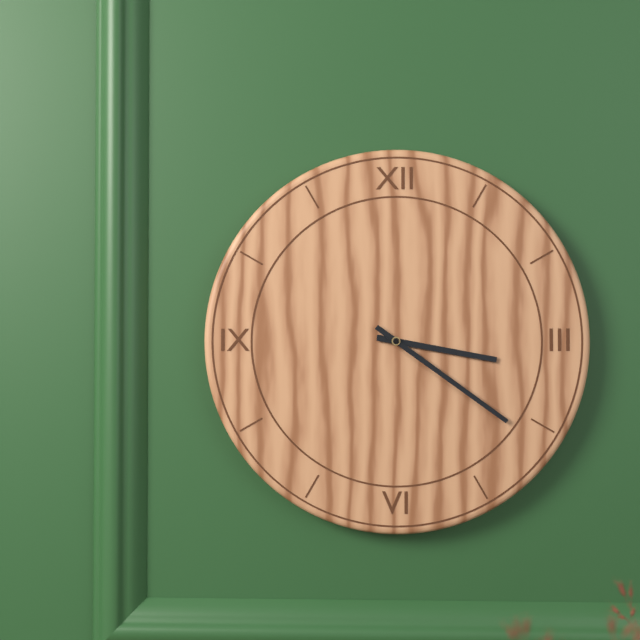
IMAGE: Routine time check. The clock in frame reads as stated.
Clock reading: 3:21
